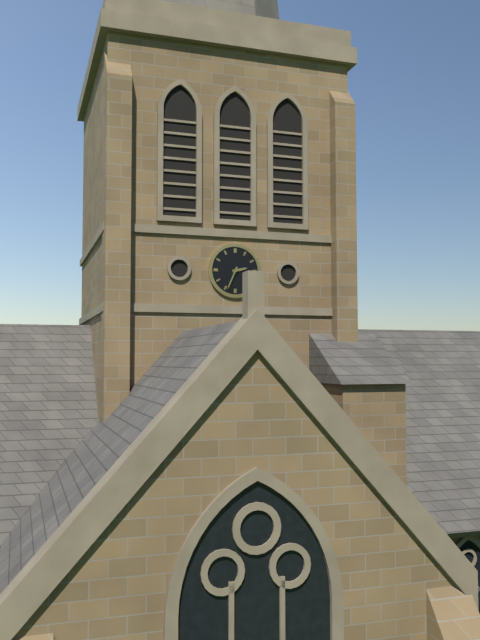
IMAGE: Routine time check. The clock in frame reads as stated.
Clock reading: 2:34
